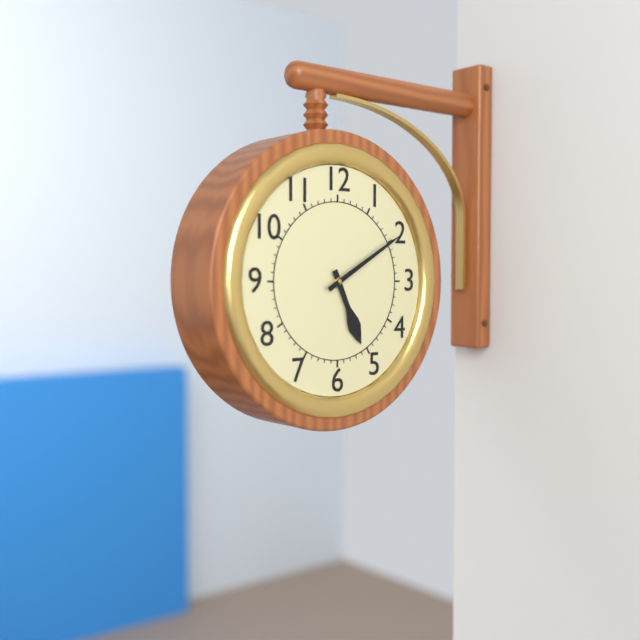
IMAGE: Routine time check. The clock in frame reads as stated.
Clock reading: 5:10
